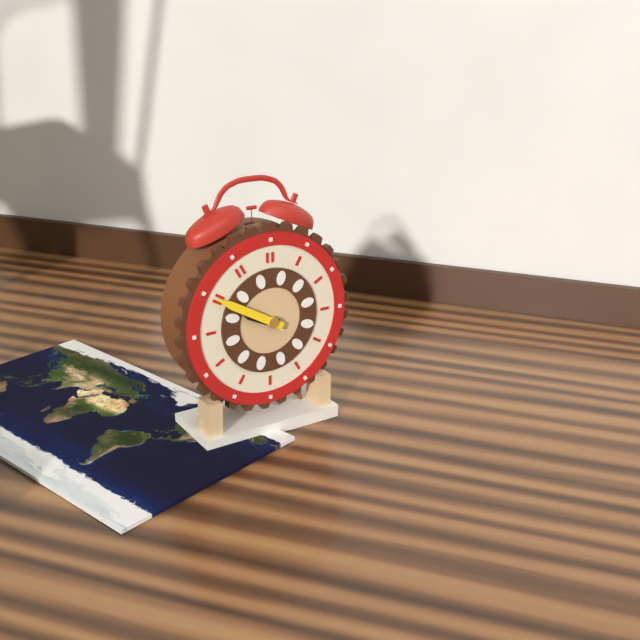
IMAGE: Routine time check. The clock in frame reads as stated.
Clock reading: 9:50
